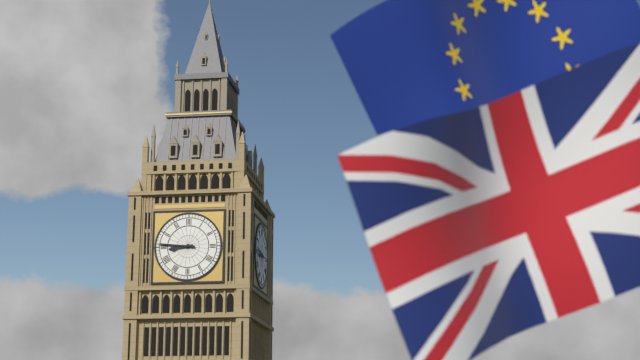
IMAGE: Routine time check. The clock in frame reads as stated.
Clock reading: 8:46
